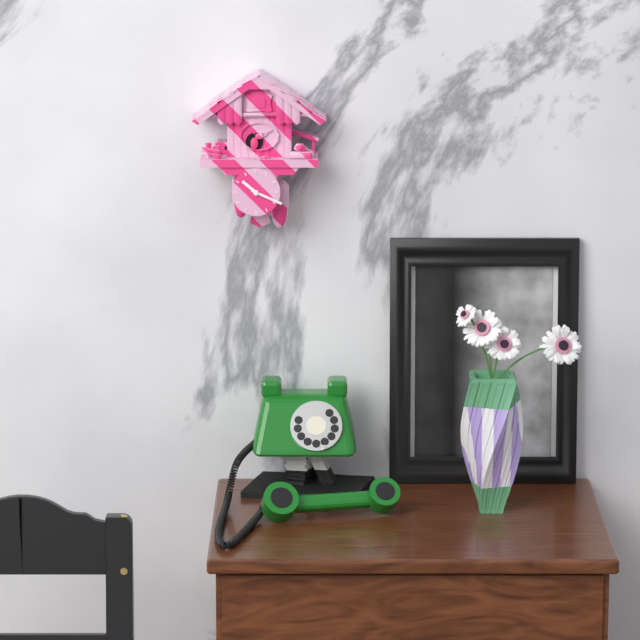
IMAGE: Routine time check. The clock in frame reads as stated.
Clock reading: 10:19
